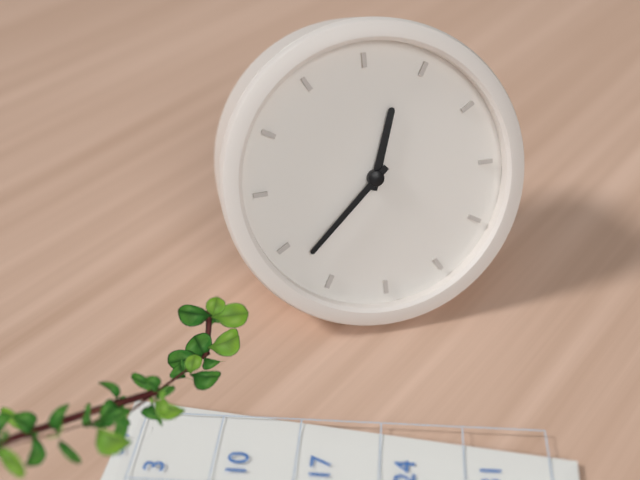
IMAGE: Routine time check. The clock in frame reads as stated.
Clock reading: 12:38
